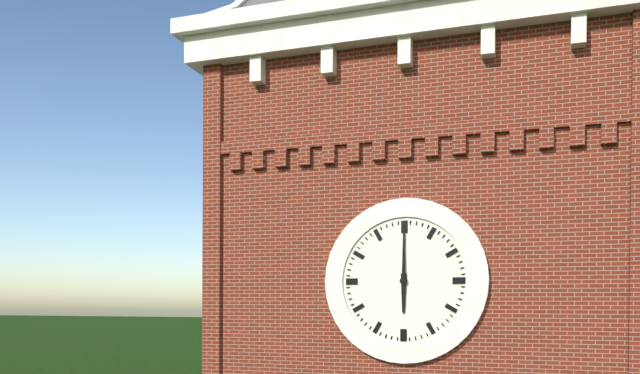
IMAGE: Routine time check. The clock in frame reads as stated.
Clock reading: 6:00
